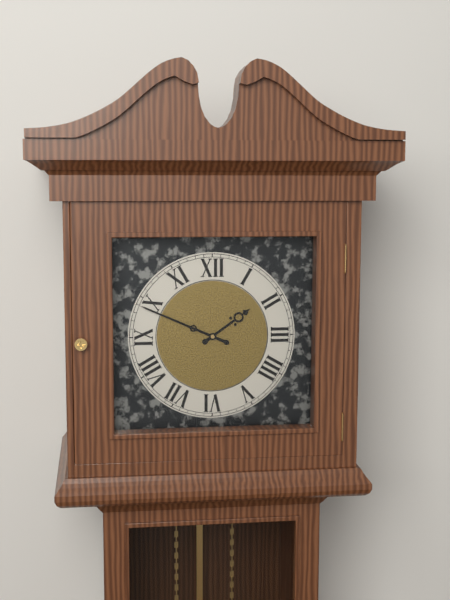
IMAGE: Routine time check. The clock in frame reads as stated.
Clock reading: 1:49
